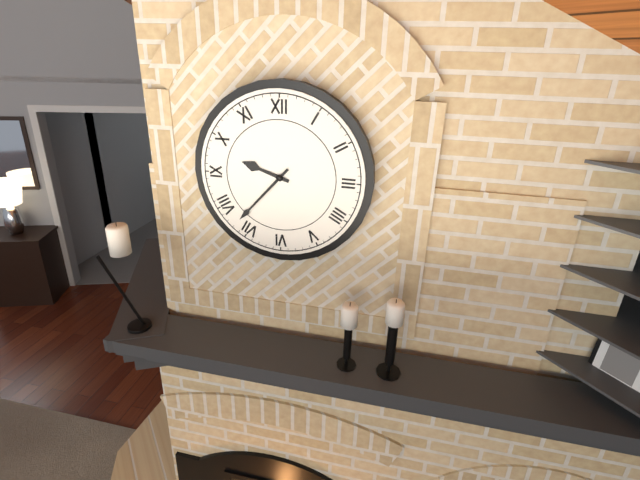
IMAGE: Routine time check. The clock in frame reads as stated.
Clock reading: 9:37
